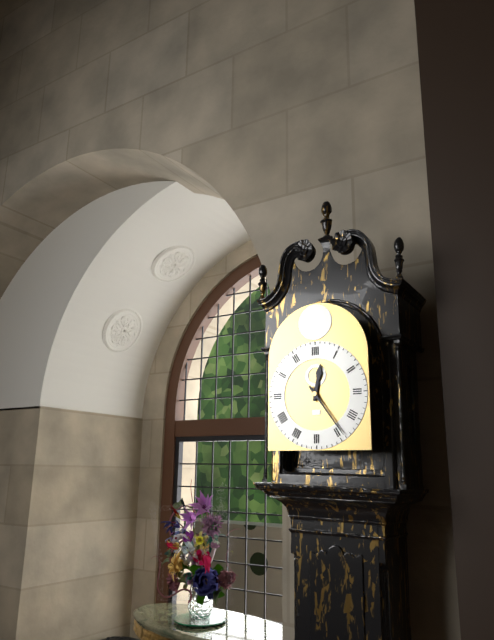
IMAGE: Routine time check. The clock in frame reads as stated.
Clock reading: 12:24
